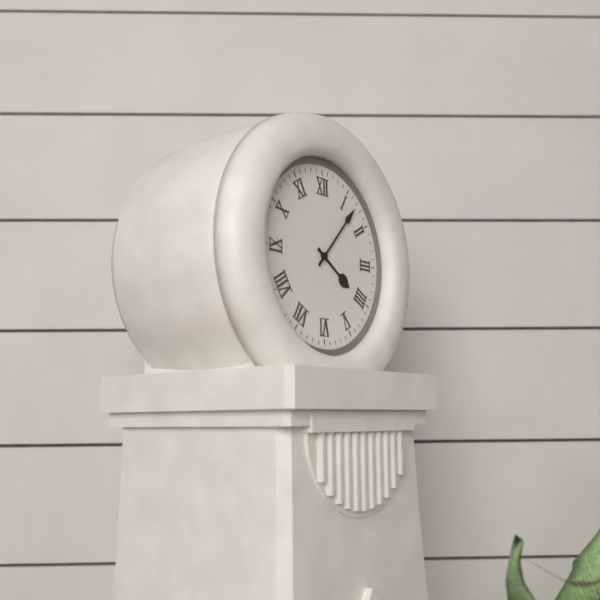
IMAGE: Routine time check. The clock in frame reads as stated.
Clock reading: 4:07
